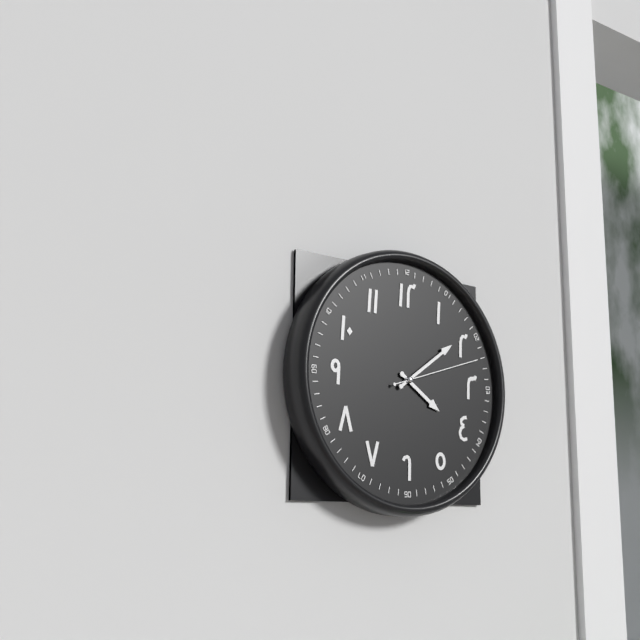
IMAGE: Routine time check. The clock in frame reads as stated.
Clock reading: 4:09:12
